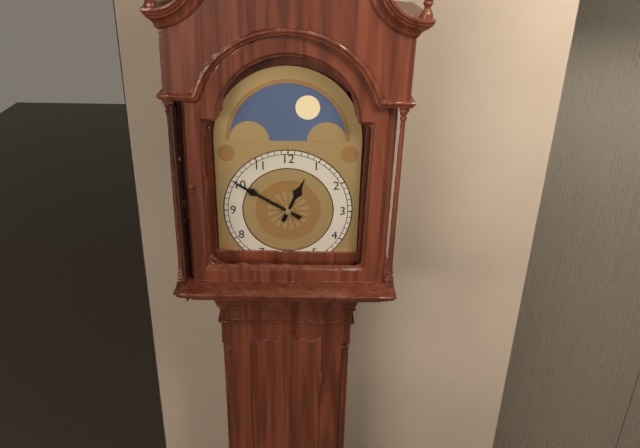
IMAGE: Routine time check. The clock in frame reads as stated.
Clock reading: 12:50
